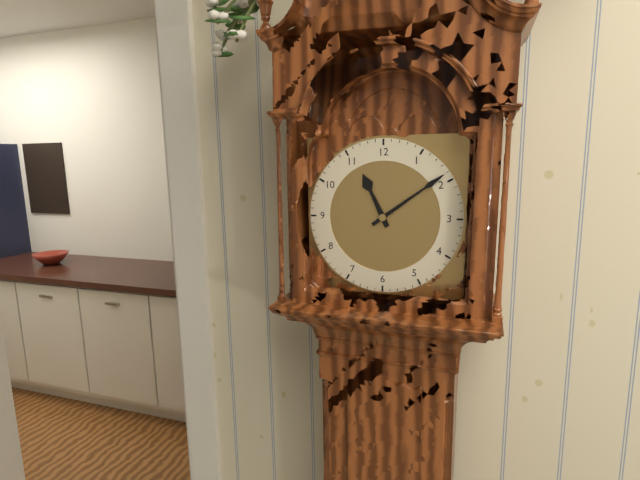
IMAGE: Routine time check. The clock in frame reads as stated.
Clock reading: 11:09
